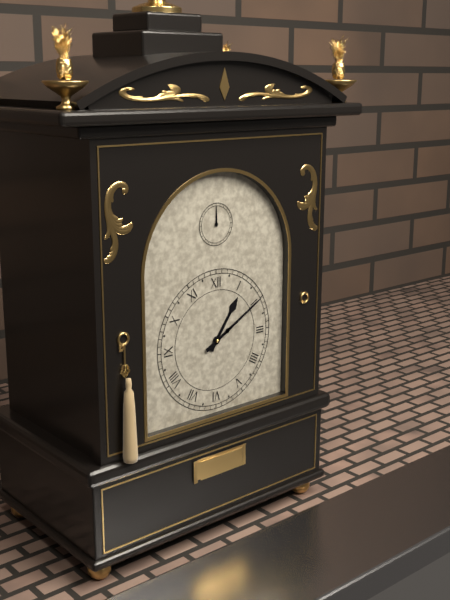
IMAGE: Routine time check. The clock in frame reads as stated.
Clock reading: 1:10
